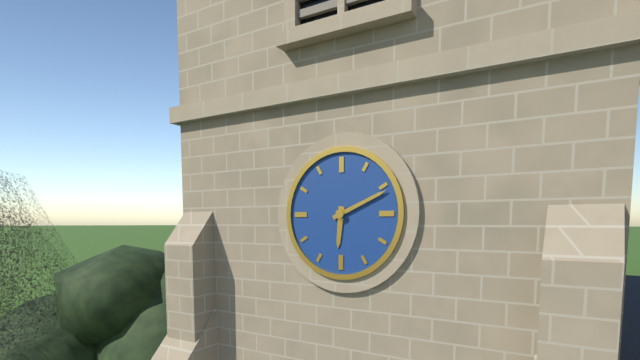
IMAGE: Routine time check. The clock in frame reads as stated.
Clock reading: 6:11
